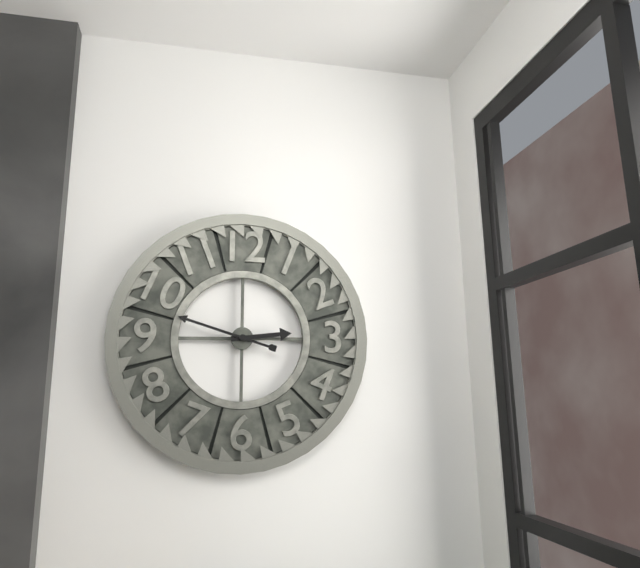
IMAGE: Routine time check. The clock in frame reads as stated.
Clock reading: 2:48
